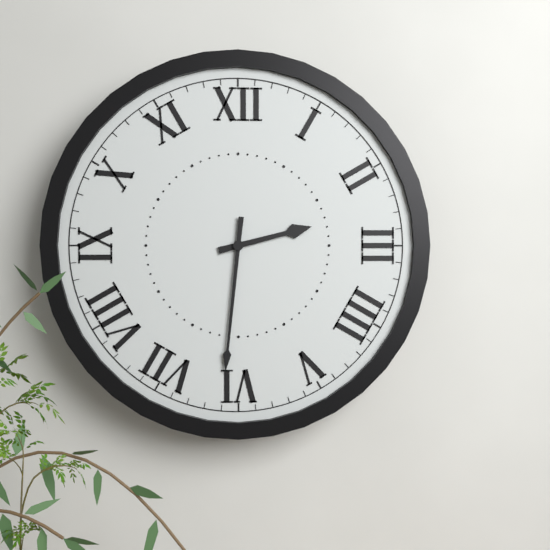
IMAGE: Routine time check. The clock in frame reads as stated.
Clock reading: 2:31
